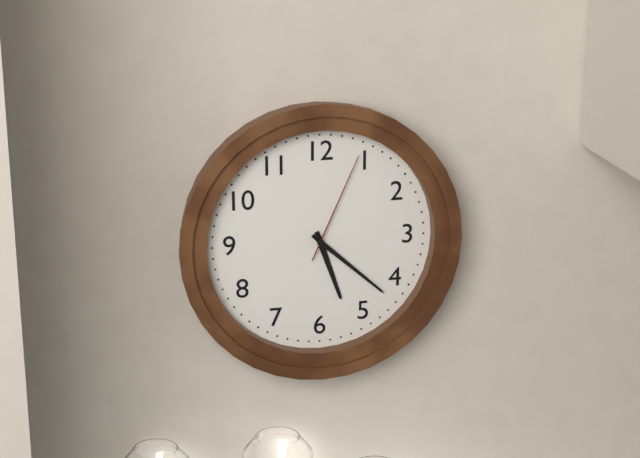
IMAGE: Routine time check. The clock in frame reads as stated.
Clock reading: 5:22:04
